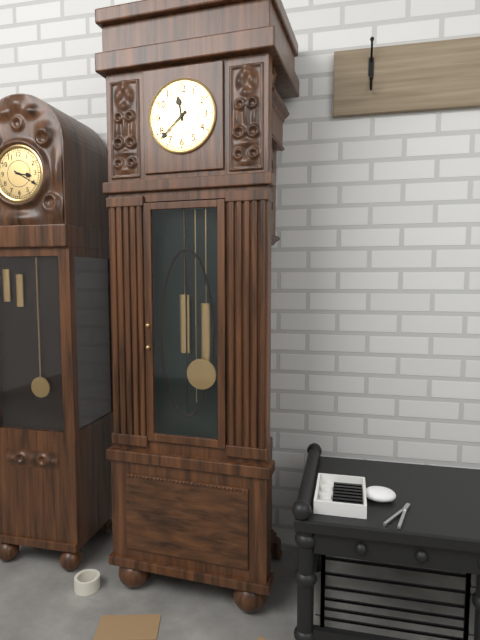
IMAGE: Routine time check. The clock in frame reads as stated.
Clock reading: 11:38
